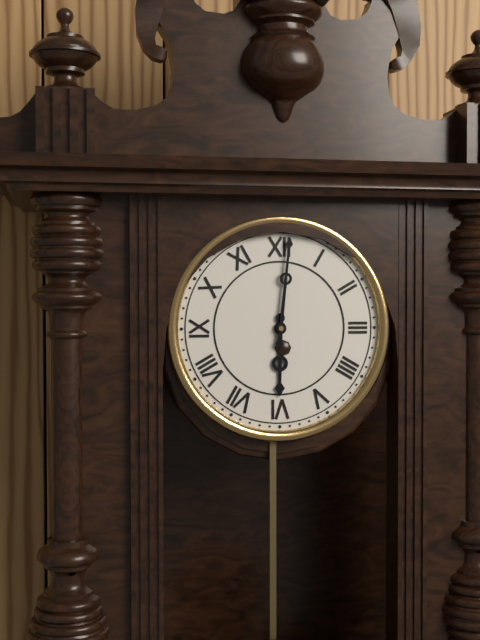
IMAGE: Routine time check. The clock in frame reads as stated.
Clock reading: 6:01
